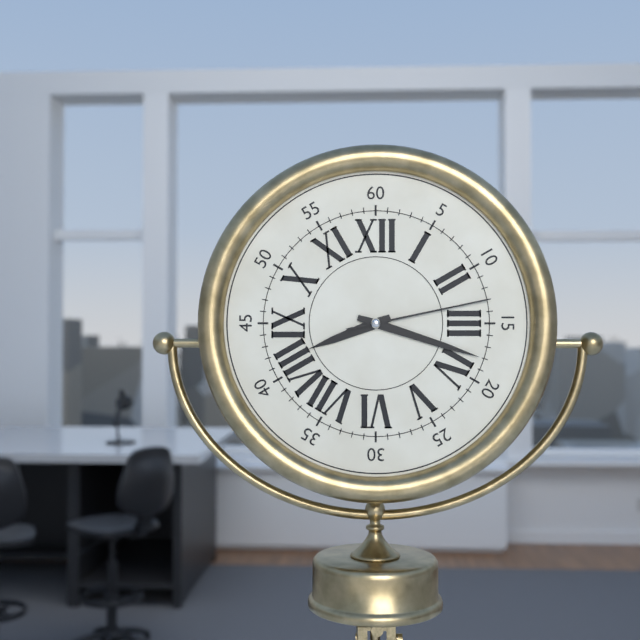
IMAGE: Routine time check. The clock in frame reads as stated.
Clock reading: 8:18:13
